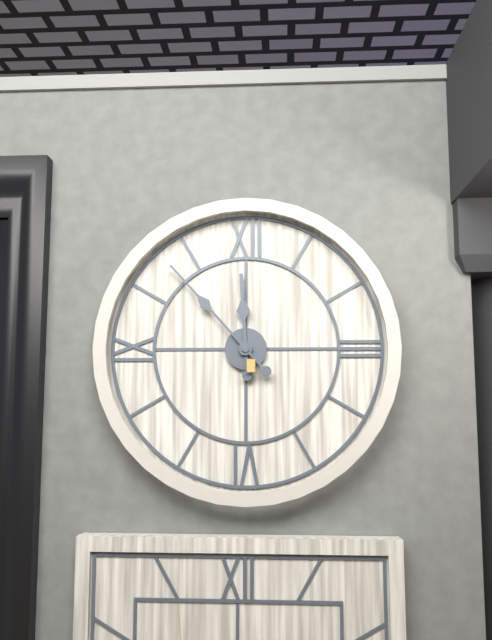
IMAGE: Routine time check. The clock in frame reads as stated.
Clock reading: 11:53
